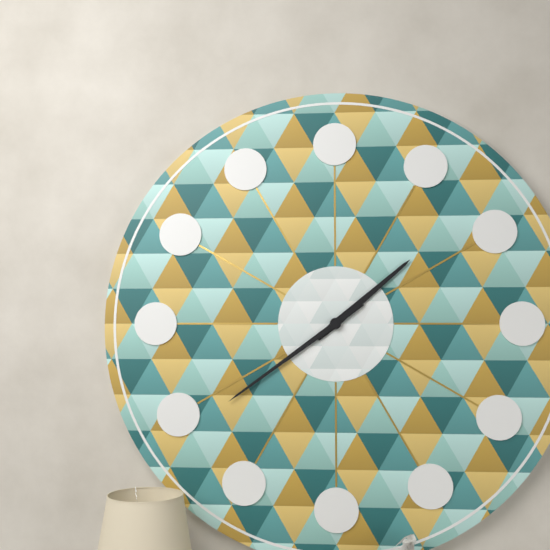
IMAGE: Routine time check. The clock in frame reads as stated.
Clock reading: 1:39
